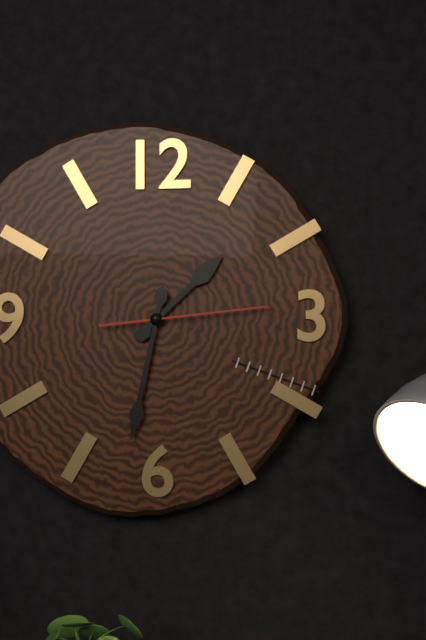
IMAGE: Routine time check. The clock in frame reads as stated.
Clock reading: 1:32:14
